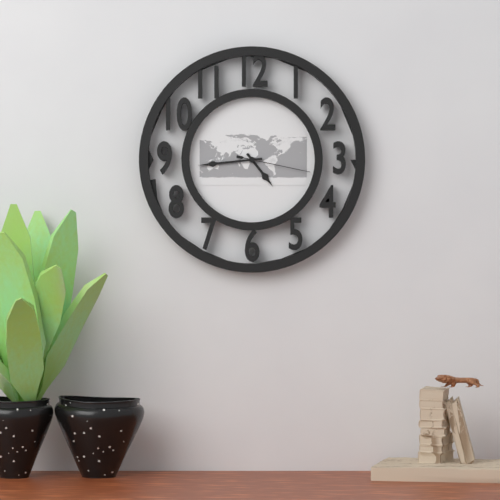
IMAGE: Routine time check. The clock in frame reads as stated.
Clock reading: 4:44:17
